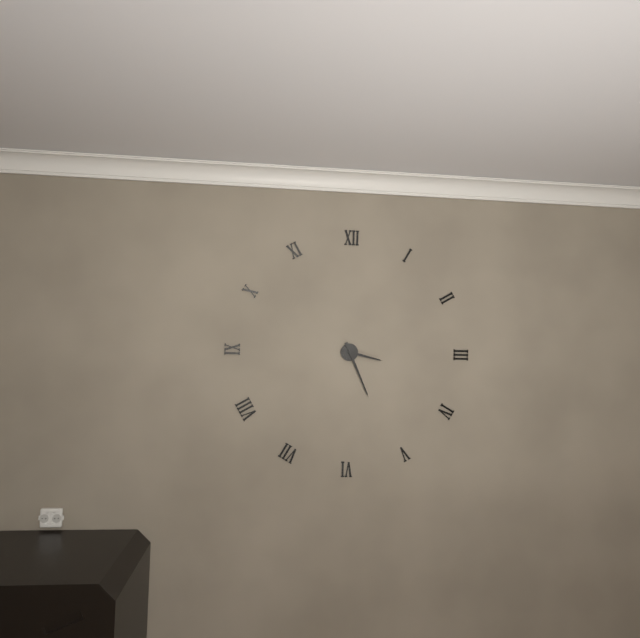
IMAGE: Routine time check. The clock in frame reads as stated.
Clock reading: 3:26
